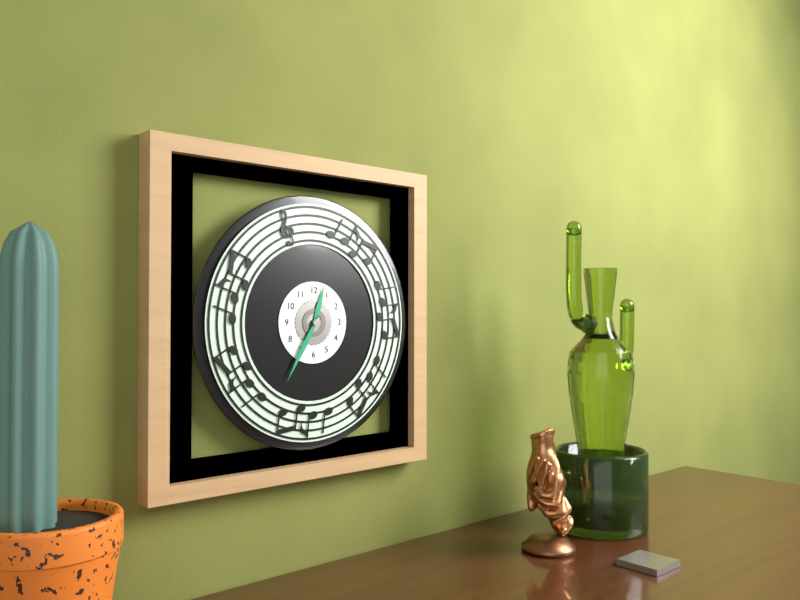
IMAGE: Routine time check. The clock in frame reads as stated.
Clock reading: 12:35
